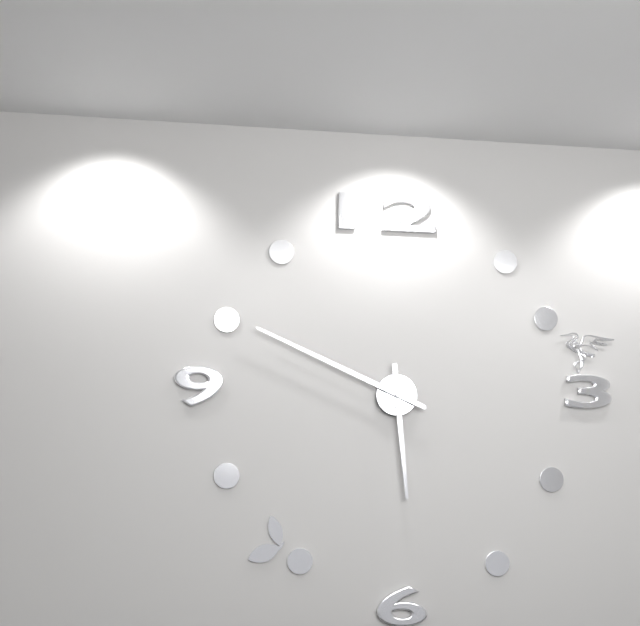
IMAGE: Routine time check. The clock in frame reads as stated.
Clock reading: 5:49
